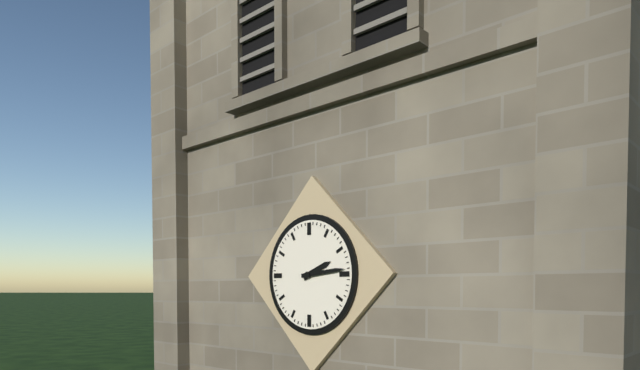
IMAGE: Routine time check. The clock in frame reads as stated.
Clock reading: 2:14
